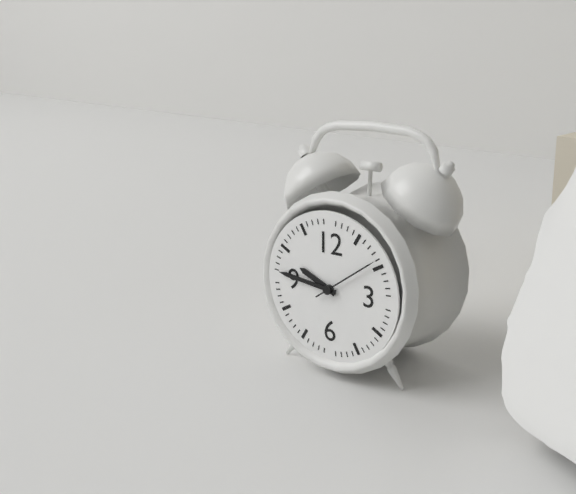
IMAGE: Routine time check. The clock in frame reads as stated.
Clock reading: 9:46:09
